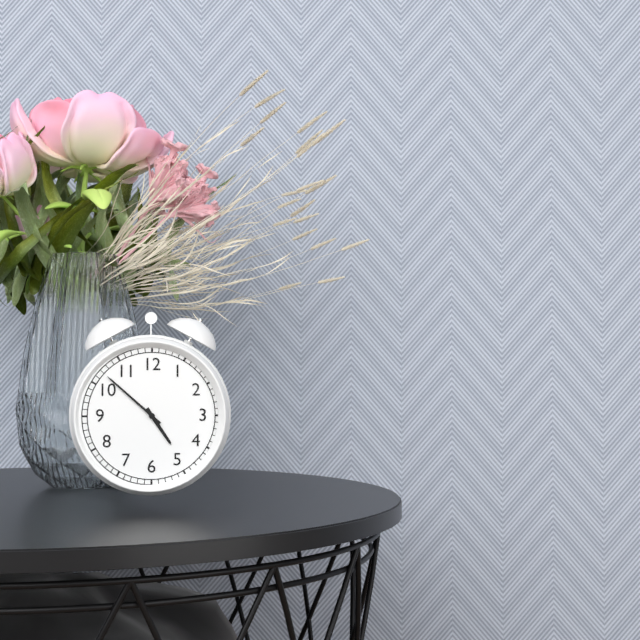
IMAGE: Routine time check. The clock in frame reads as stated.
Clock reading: 4:52
